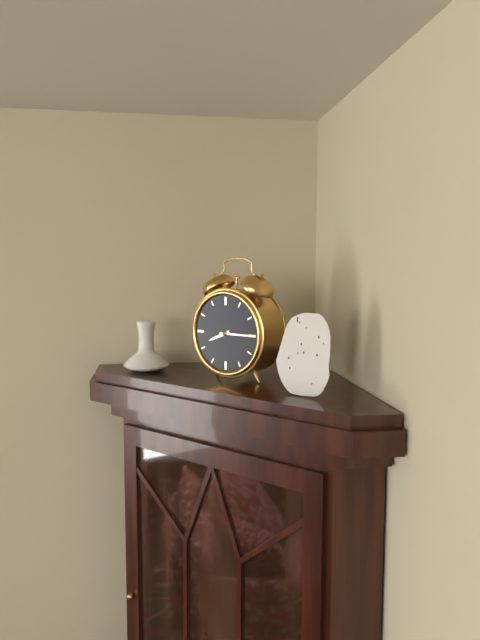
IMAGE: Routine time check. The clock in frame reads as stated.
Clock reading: 8:15
